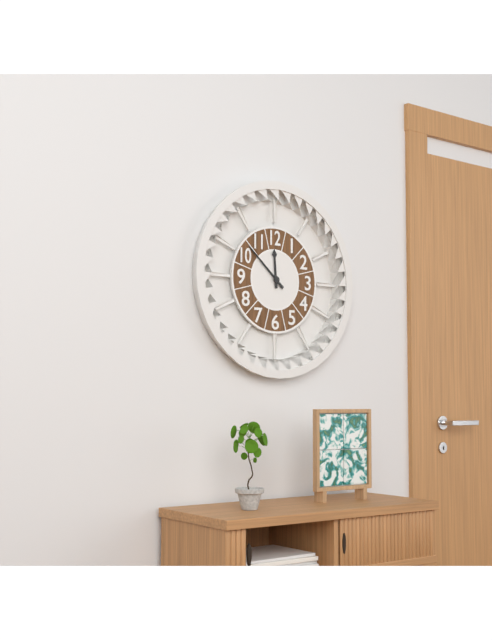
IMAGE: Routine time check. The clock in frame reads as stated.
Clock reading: 11:52
